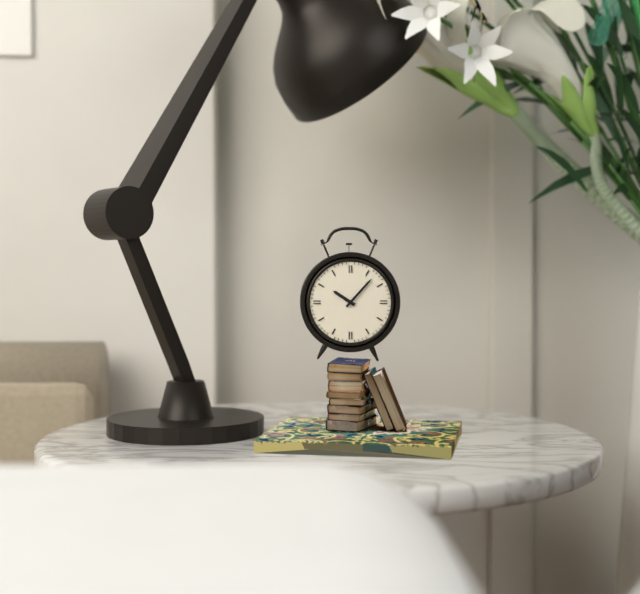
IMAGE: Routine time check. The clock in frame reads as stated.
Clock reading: 10:07
